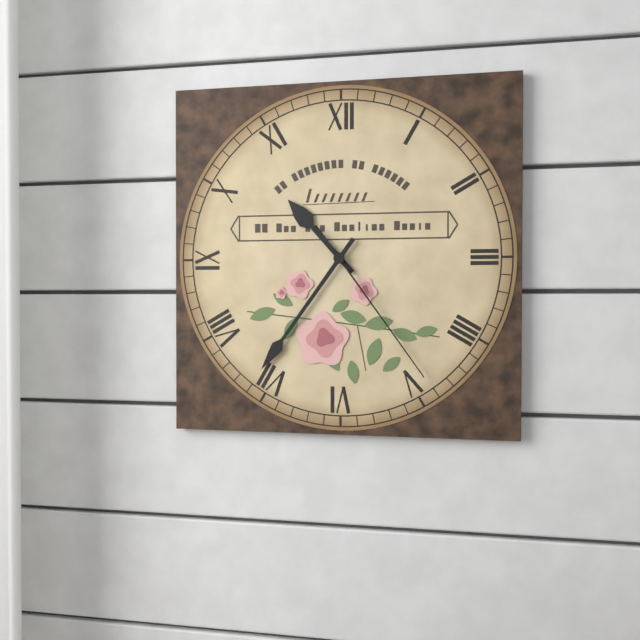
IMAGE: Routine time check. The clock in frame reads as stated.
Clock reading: 10:36:24
